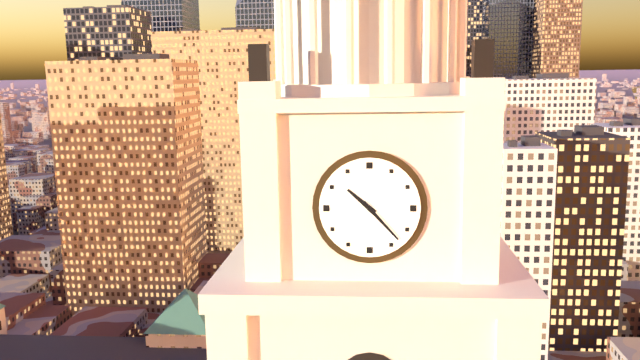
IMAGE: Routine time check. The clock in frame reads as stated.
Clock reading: 10:23
